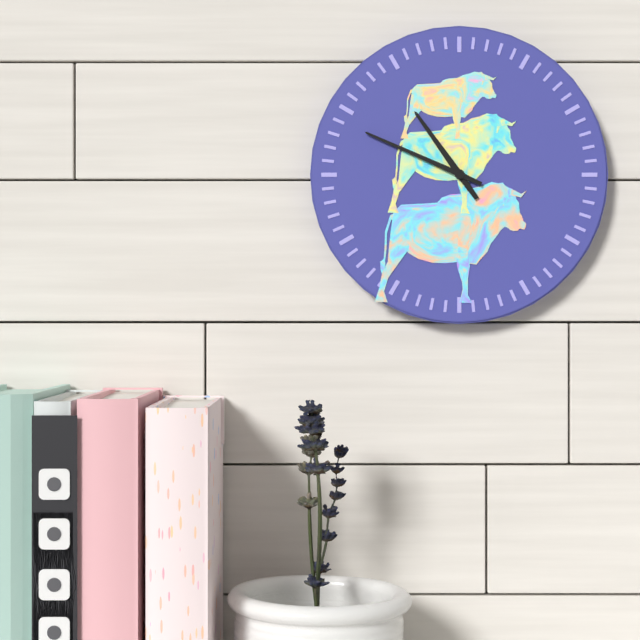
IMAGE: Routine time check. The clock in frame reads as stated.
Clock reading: 10:49
